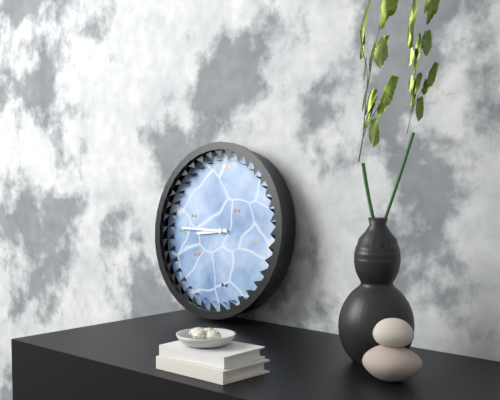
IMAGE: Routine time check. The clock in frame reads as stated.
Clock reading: 8:45
